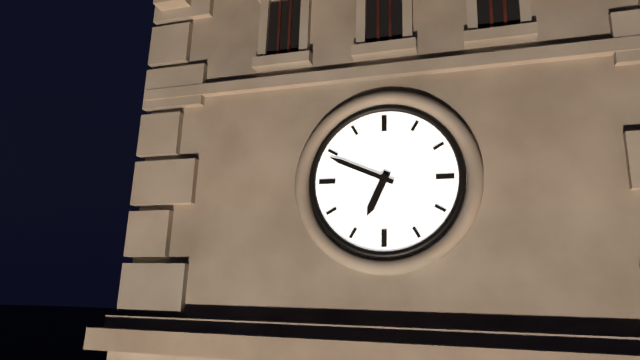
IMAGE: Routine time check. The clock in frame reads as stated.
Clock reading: 6:49
